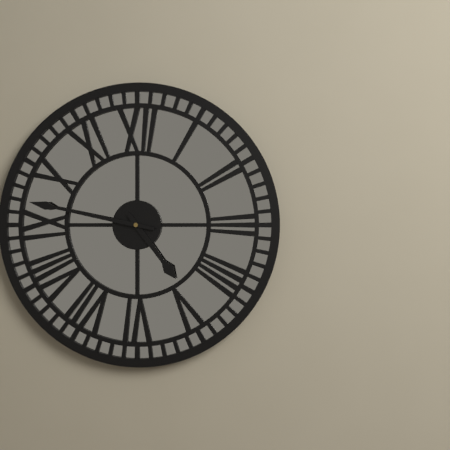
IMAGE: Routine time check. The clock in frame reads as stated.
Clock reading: 4:47
